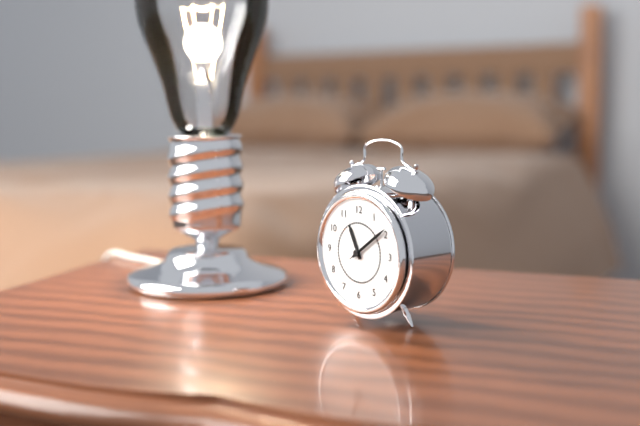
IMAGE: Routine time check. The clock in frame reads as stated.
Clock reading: 11:09
